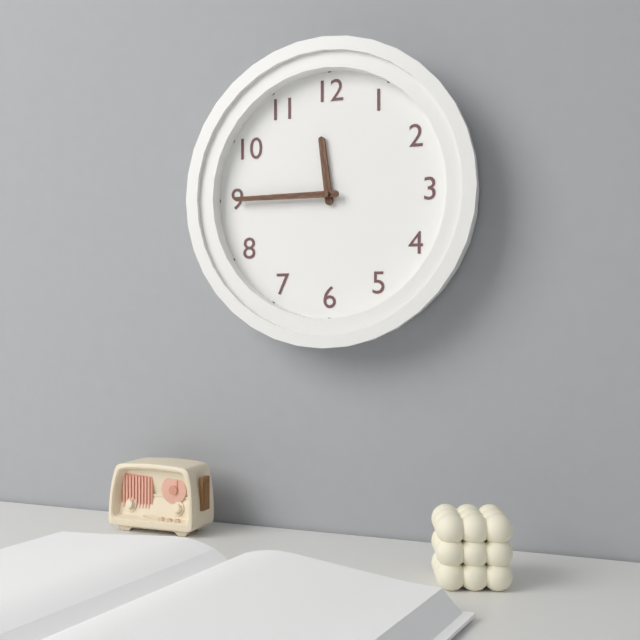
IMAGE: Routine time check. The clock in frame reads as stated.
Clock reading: 11:45
